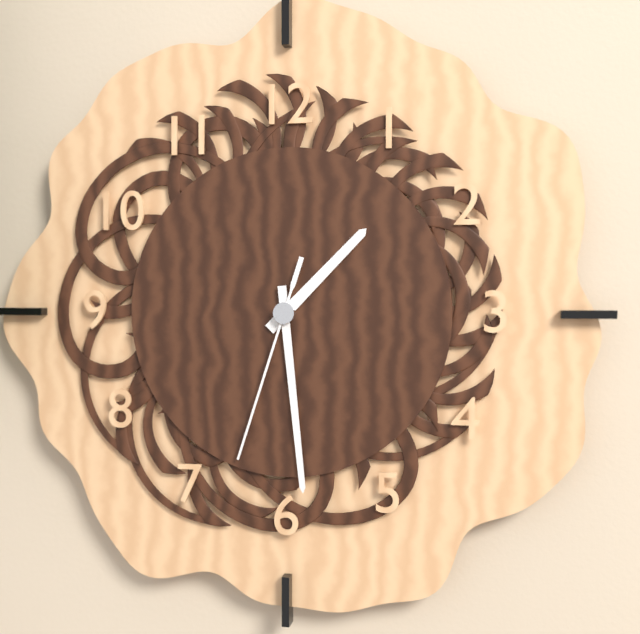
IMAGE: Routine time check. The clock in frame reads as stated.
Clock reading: 1:29:33
